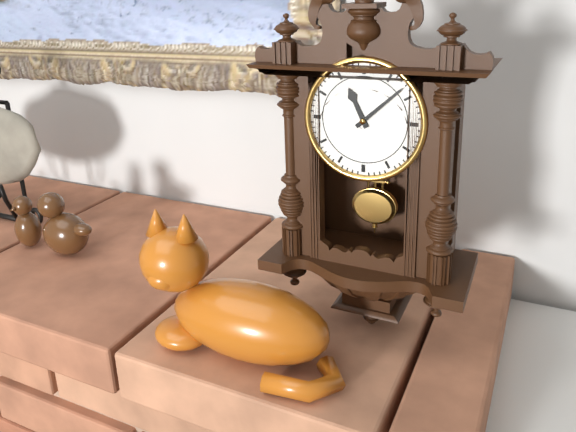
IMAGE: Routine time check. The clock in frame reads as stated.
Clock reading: 11:08
